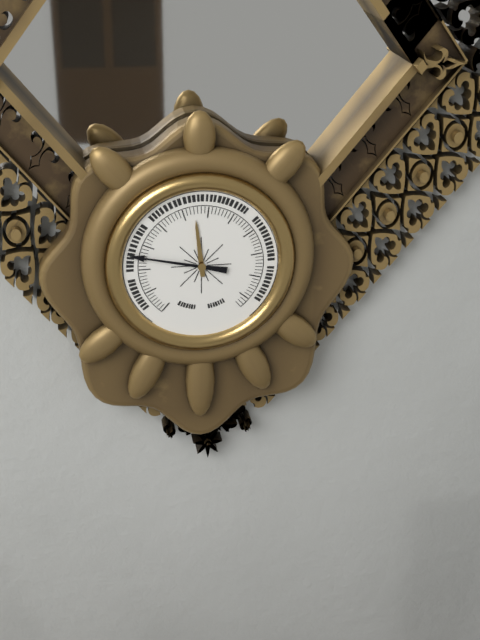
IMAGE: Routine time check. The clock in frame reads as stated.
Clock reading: 11:47
